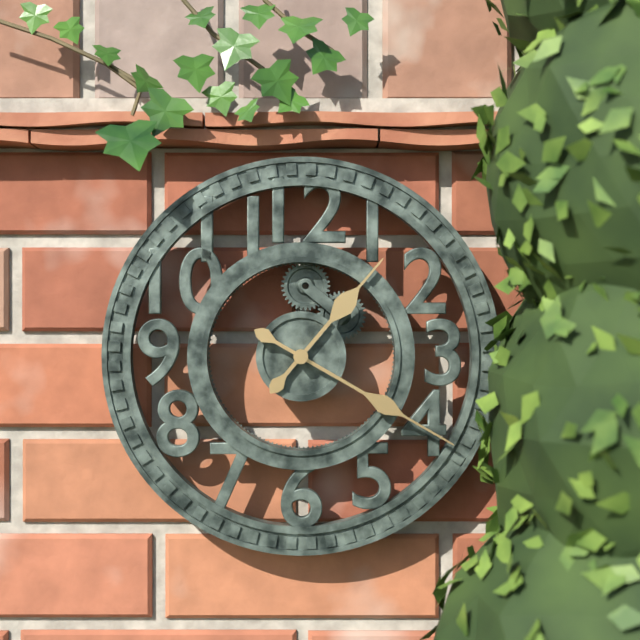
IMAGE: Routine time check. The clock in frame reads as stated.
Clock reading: 1:20
